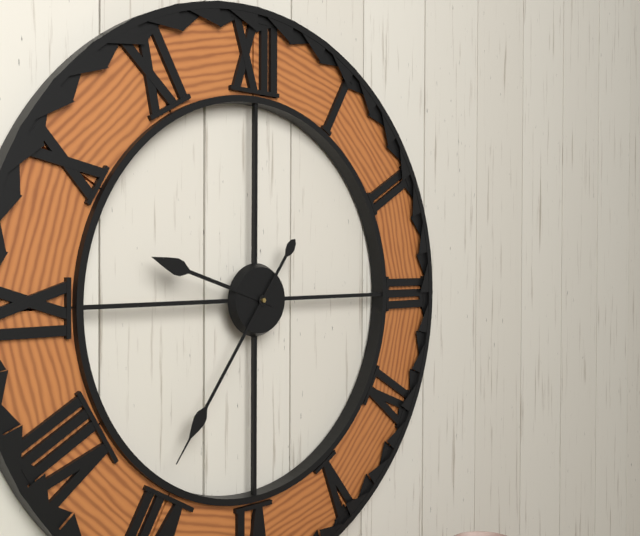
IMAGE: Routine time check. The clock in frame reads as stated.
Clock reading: 9:36
